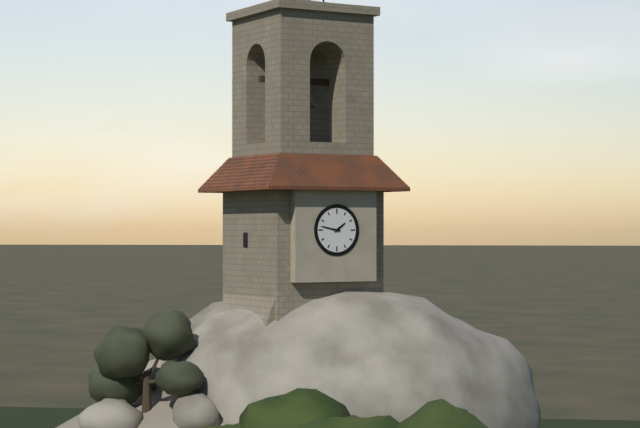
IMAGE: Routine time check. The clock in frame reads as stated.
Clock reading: 1:47
